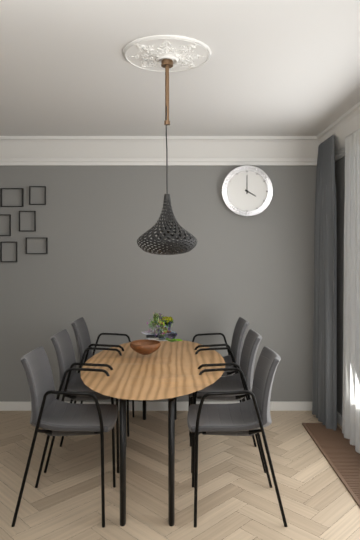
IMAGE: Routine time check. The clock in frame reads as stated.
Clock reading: 4:00
